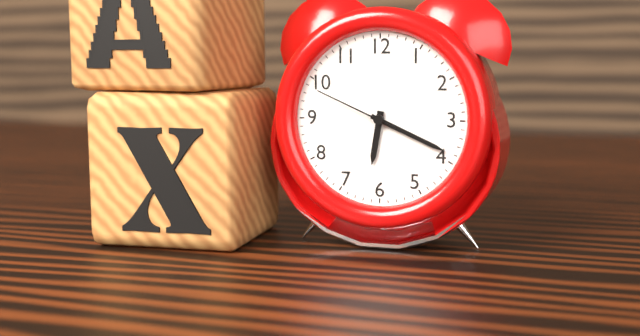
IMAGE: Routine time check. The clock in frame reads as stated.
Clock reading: 6:19:49
